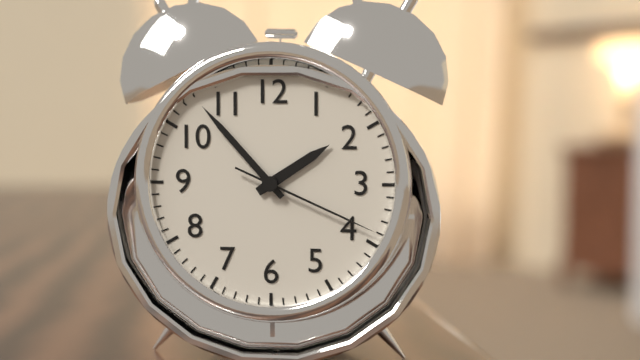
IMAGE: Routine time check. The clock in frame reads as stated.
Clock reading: 1:53:19
